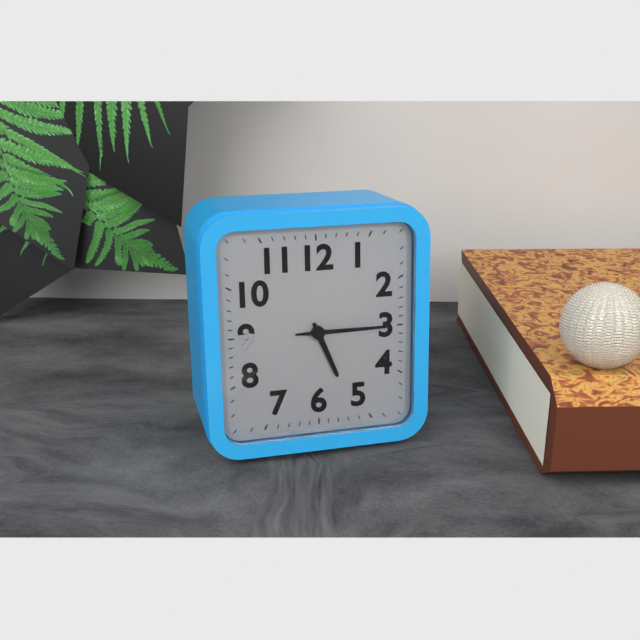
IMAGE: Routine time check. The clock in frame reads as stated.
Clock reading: 5:15
